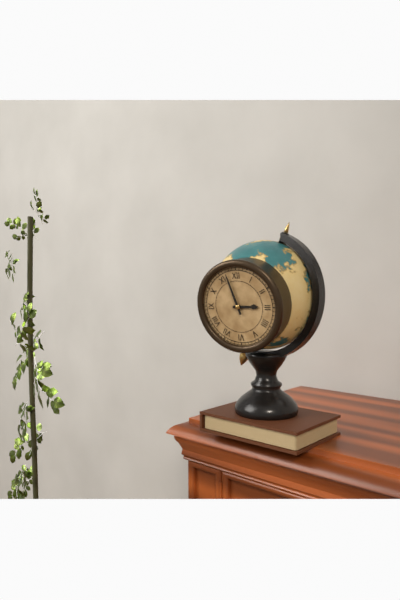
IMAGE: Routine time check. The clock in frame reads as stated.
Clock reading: 2:57
